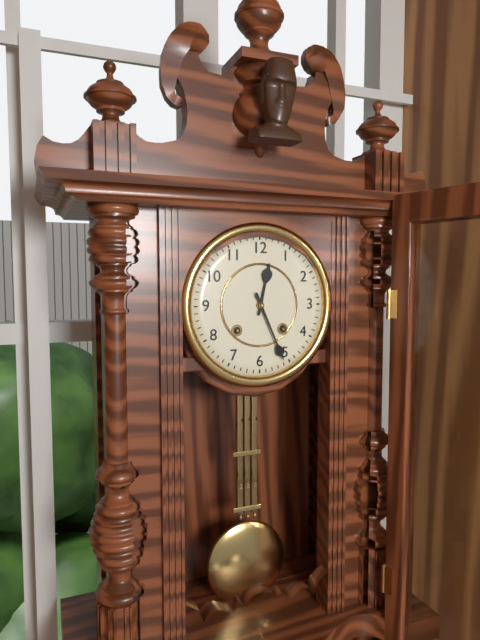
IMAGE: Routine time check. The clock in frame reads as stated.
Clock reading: 12:26
